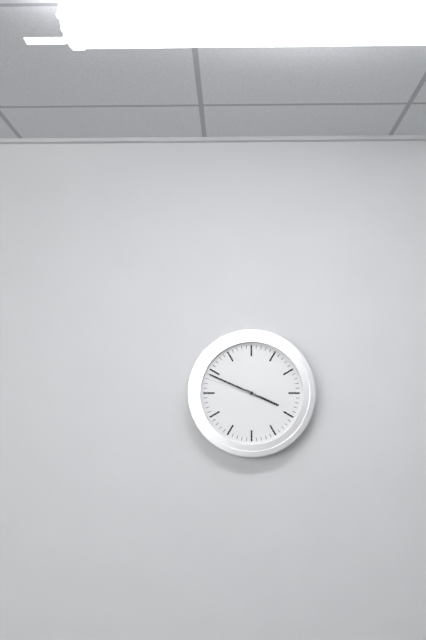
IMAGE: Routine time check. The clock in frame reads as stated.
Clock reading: 3:49:48
